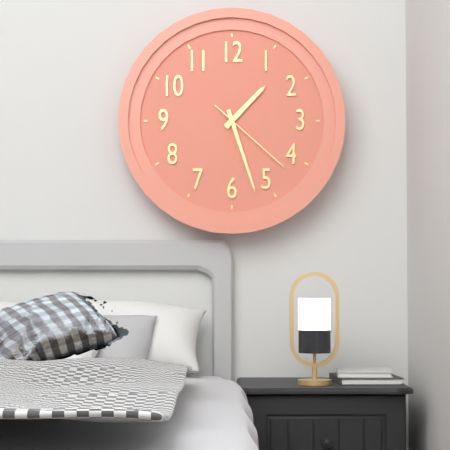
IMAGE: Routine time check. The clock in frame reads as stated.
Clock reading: 1:27:22
